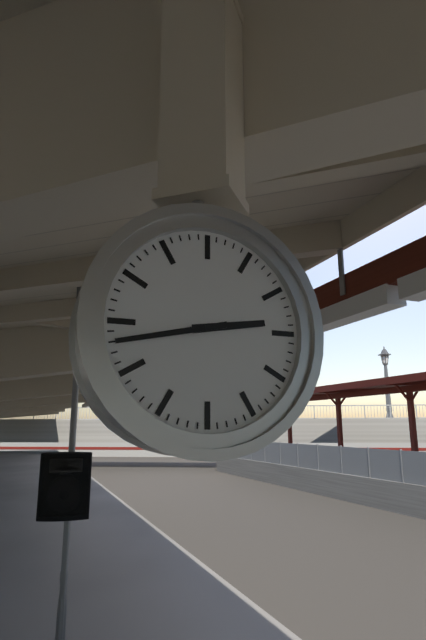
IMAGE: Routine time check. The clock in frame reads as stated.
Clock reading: 2:43
